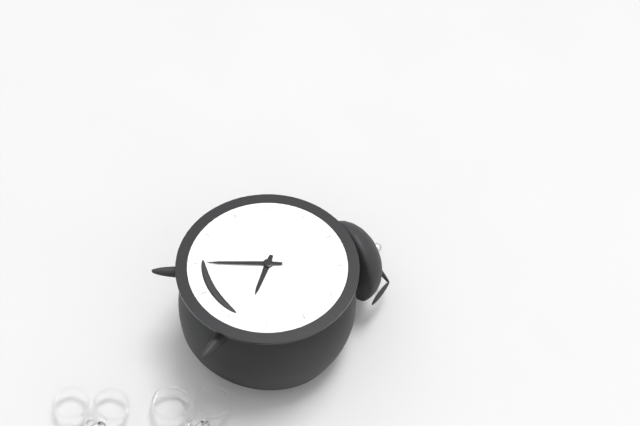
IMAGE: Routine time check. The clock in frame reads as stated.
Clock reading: 4:35
